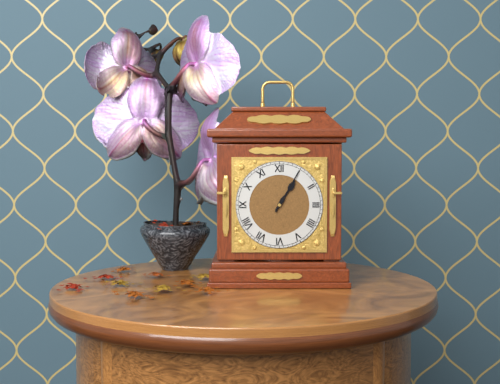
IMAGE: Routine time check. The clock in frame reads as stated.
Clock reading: 1:05
